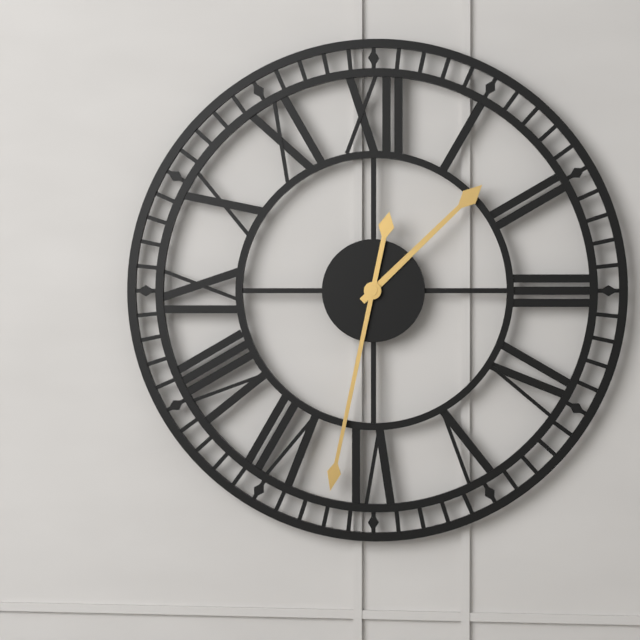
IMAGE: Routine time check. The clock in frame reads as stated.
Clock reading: 1:32
